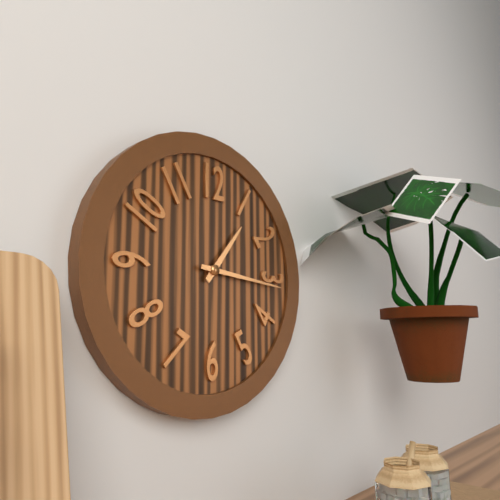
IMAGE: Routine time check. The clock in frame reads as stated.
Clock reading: 1:16
